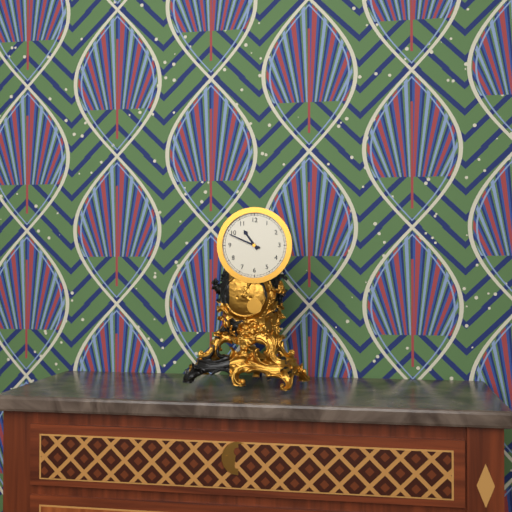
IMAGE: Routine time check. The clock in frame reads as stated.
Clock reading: 10:49
